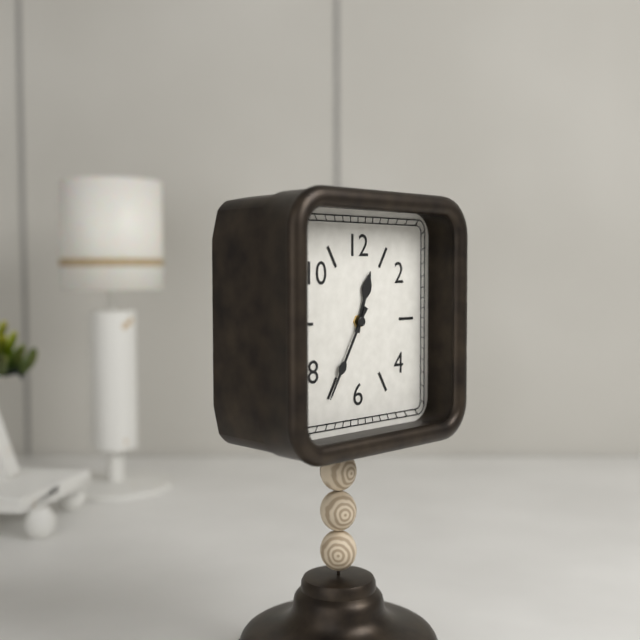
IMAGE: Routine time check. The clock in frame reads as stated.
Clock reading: 12:35
